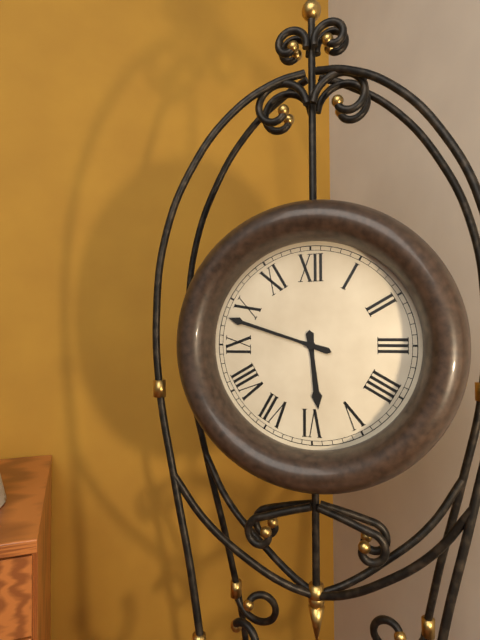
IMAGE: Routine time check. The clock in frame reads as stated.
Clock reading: 5:48
